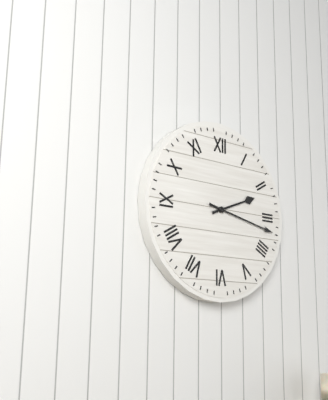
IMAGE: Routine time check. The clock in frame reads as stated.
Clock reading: 2:17
